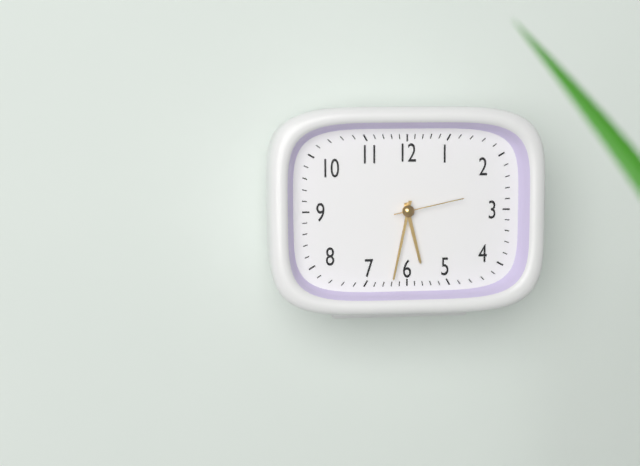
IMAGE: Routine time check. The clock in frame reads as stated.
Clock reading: 5:32:13
